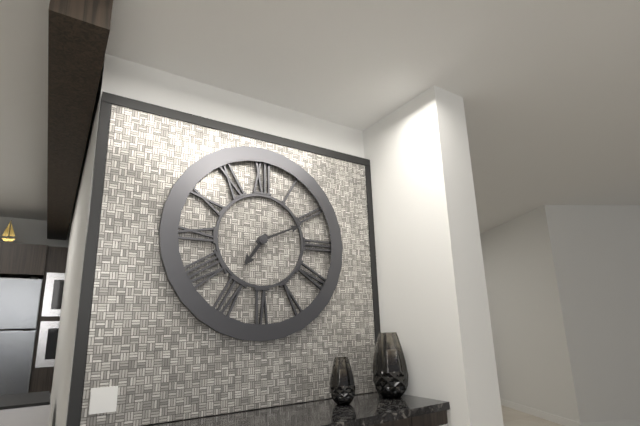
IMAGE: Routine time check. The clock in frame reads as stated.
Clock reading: 7:11
